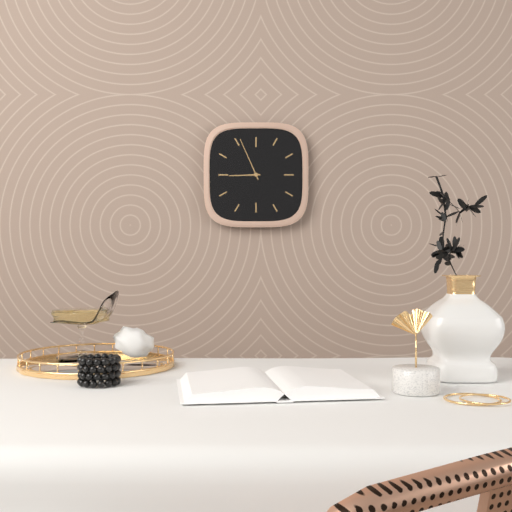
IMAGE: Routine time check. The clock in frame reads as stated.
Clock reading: 8:56
